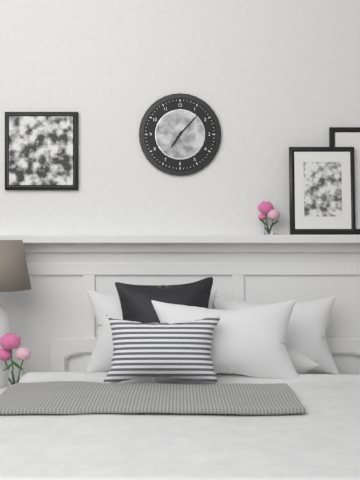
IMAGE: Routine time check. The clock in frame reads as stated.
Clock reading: 7:07
